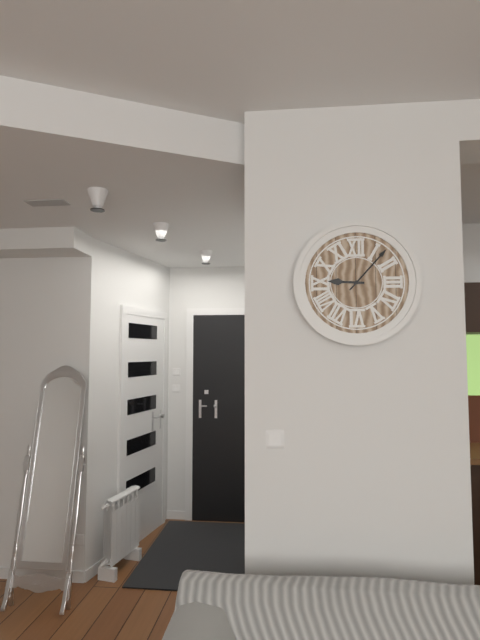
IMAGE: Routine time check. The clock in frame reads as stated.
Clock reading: 9:07
